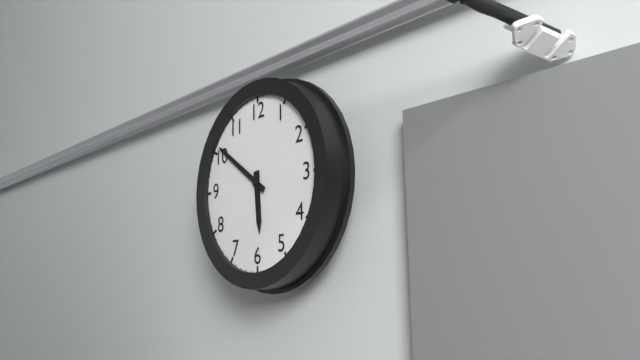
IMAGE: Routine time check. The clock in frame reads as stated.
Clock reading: 5:51
